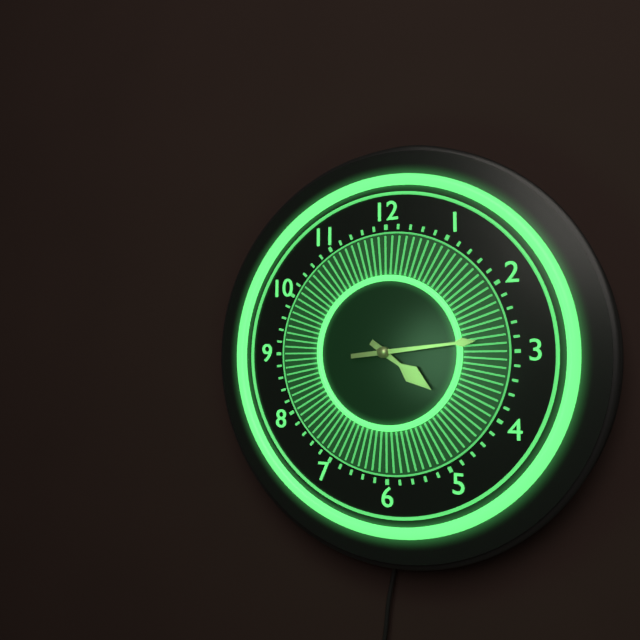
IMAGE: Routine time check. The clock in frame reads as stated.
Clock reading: 4:14
